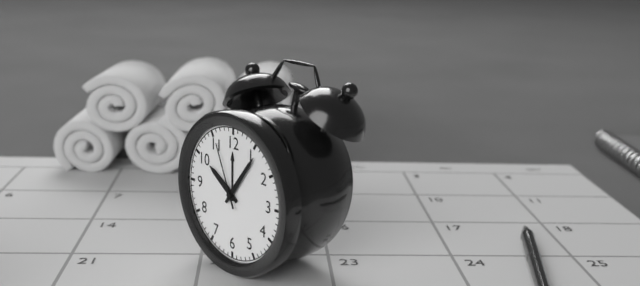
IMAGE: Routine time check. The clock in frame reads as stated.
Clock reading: 10:06:56
